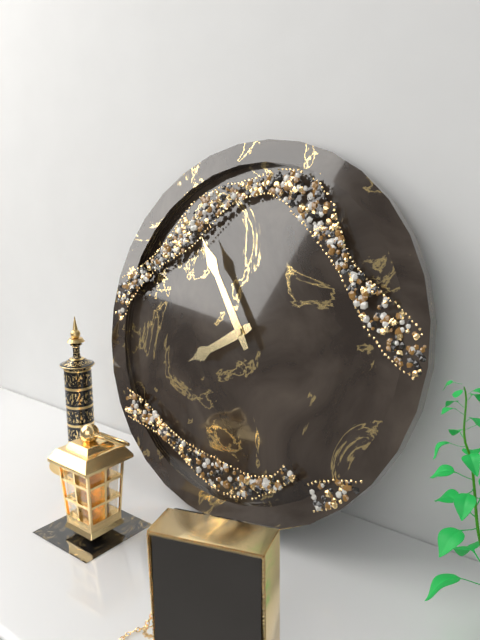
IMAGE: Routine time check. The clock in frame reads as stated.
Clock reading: 7:54
